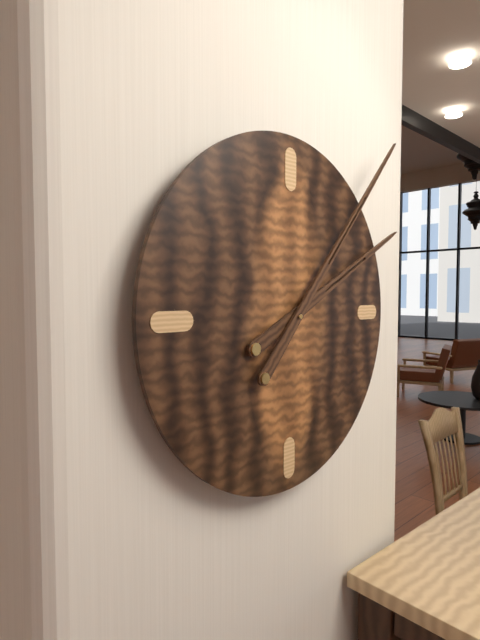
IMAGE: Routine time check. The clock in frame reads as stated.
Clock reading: 2:07
